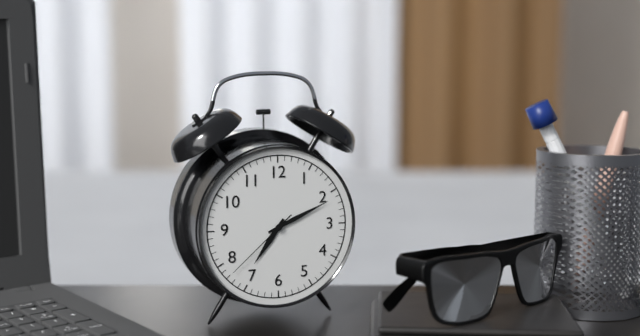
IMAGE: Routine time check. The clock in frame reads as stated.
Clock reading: 7:11:38
